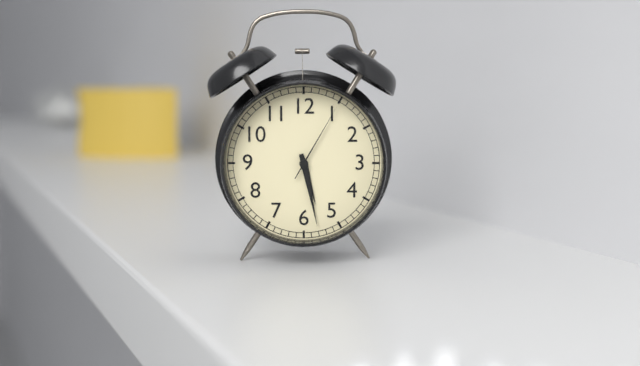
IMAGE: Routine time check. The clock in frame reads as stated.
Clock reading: 5:28:05
